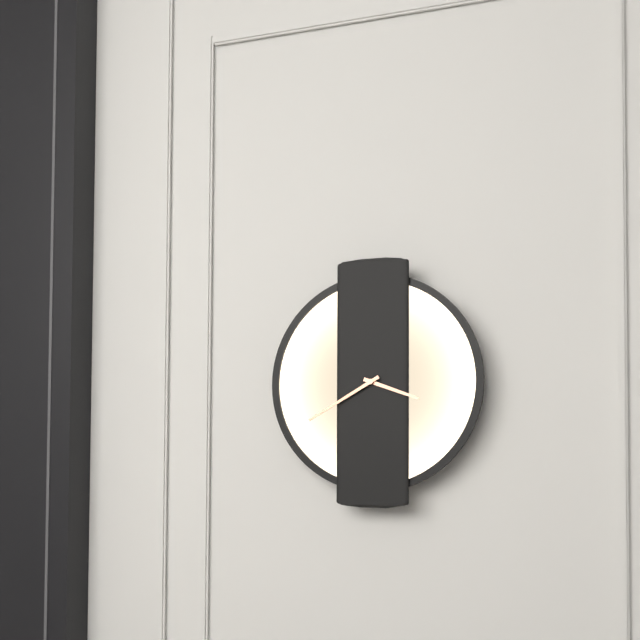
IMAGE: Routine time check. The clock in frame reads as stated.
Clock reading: 3:40
